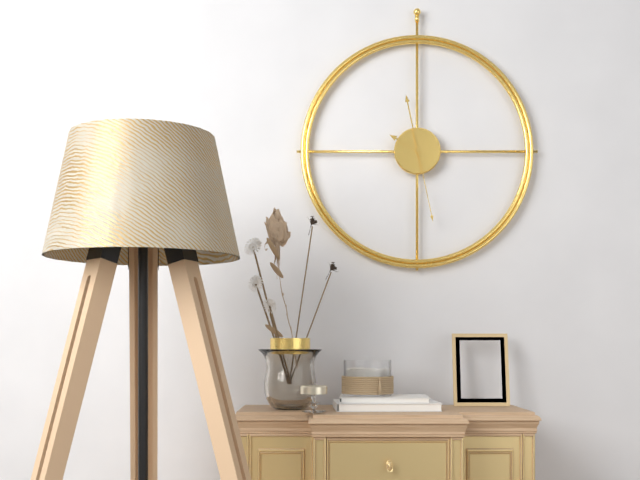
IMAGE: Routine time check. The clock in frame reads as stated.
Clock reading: 9:58:28
